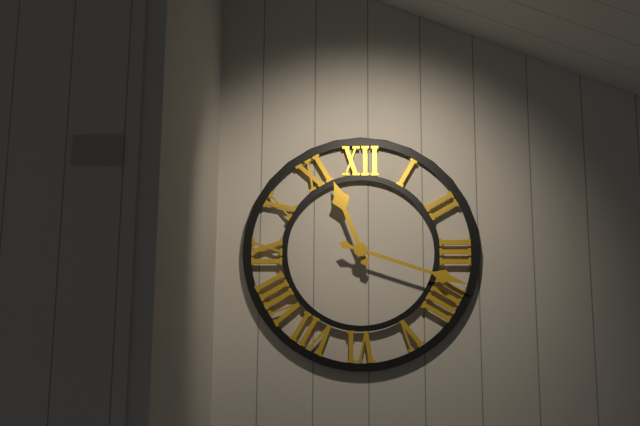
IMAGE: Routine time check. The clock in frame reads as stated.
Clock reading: 11:18
